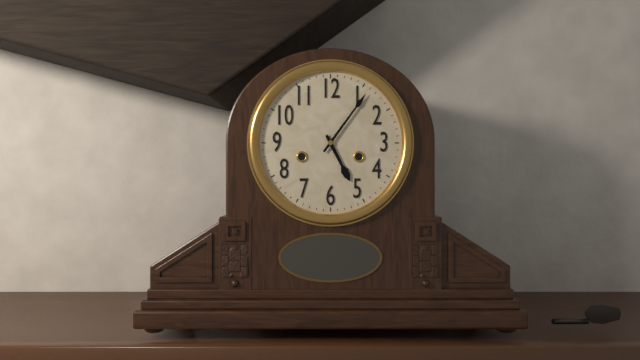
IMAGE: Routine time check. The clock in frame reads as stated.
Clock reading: 5:06
